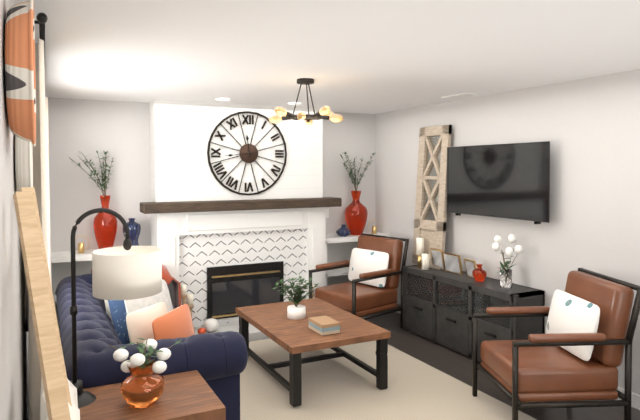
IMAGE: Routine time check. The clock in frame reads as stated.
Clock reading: 11:44
